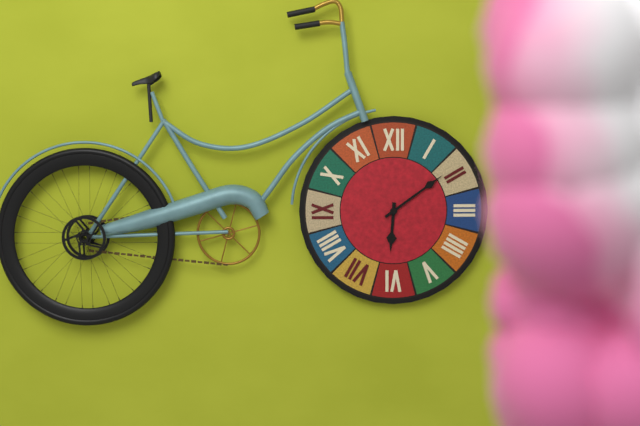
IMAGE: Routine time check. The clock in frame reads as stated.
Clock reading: 6:09
